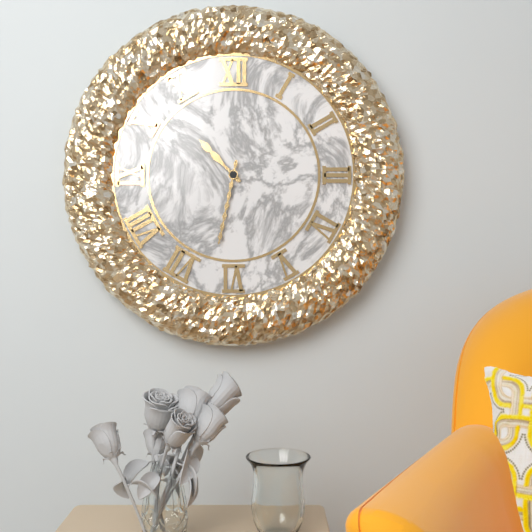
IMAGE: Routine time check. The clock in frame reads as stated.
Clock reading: 10:32
